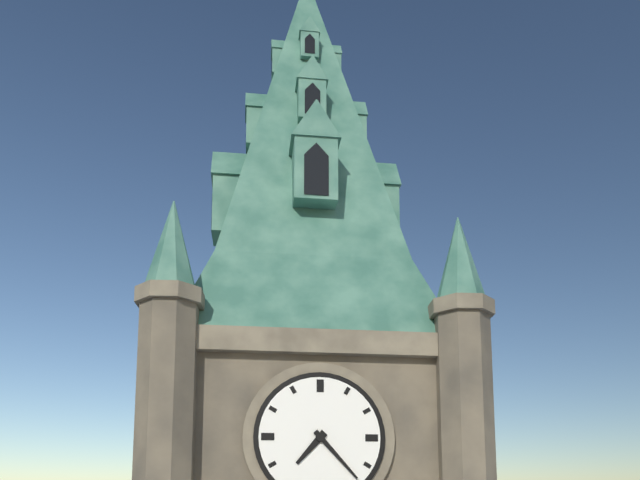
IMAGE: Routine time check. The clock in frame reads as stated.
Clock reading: 7:23
